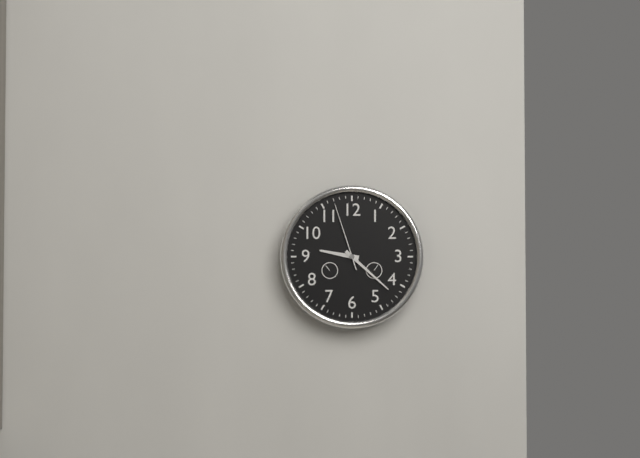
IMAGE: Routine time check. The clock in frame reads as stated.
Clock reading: 9:22:57
